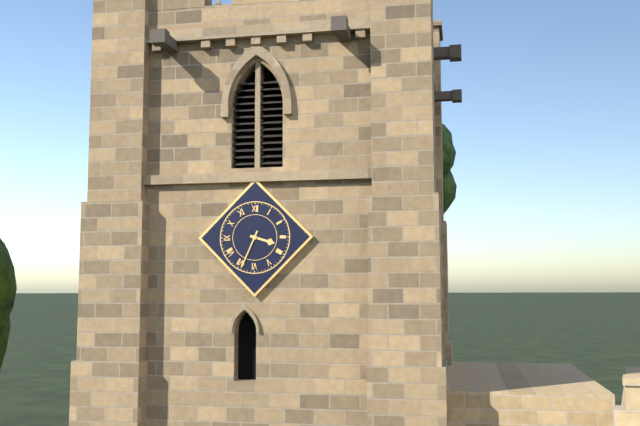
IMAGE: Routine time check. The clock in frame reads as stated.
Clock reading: 3:34
